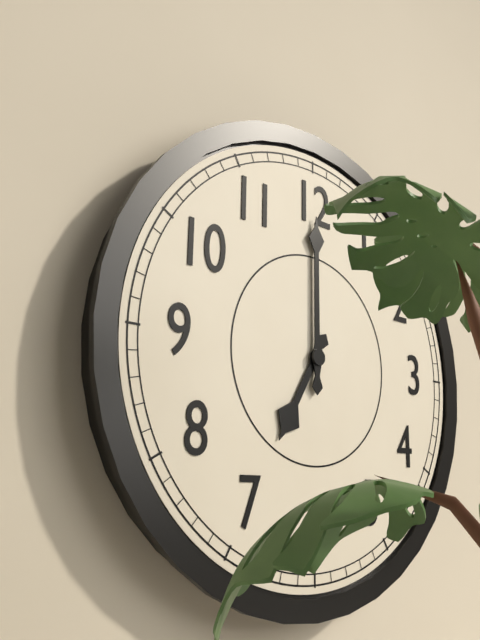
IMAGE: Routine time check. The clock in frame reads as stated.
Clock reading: 7:00
